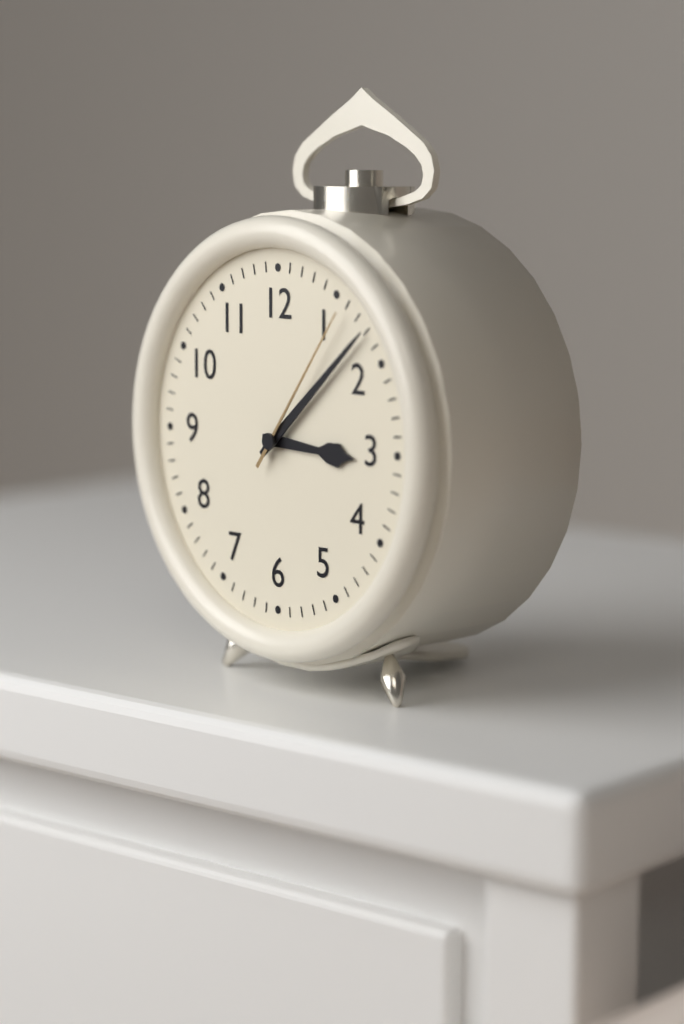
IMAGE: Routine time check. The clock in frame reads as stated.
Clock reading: 3:08:06
